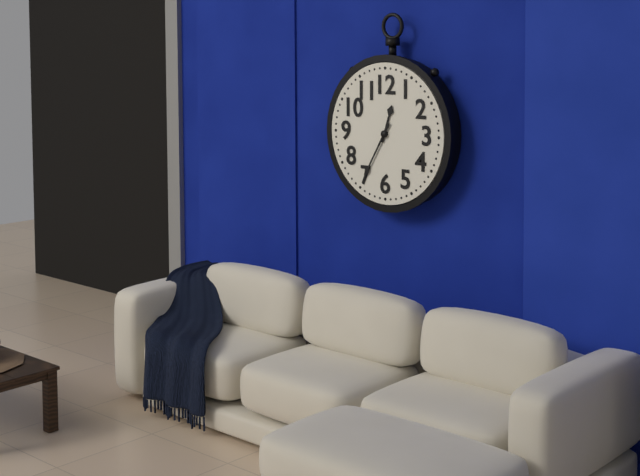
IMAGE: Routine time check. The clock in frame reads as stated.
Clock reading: 12:35
